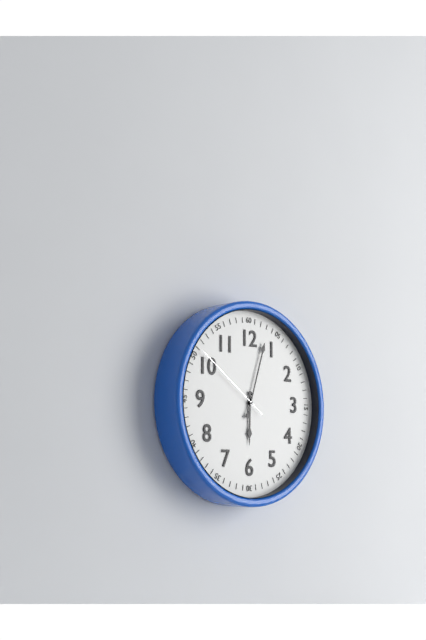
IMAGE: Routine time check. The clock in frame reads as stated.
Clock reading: 6:03:51
